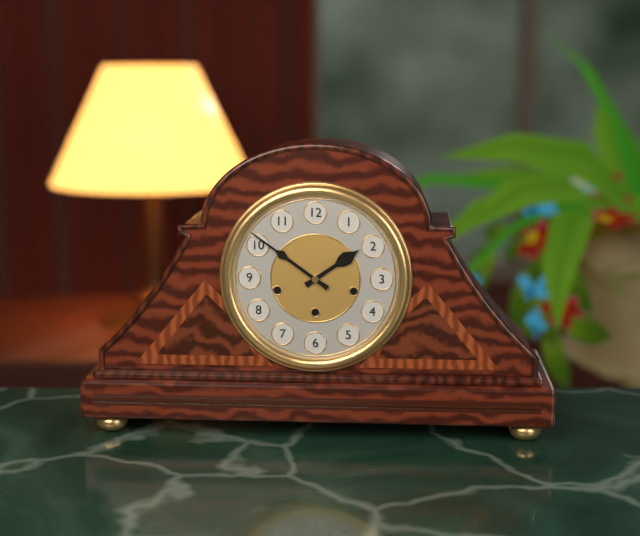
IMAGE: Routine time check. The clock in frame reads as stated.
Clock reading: 1:51
